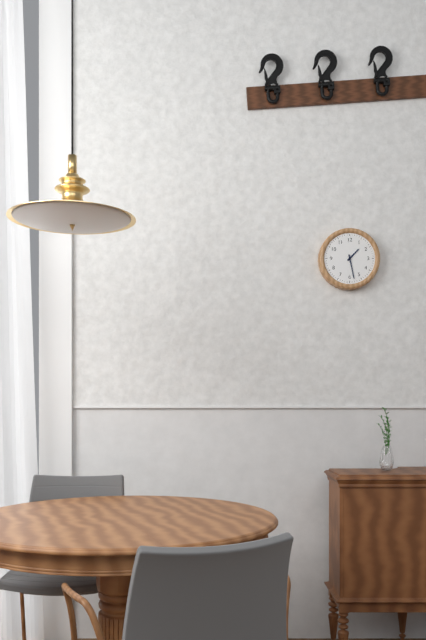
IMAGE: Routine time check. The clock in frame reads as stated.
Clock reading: 1:28
